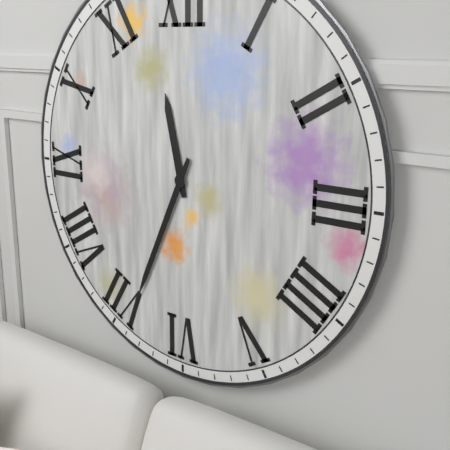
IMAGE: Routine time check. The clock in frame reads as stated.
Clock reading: 11:34
